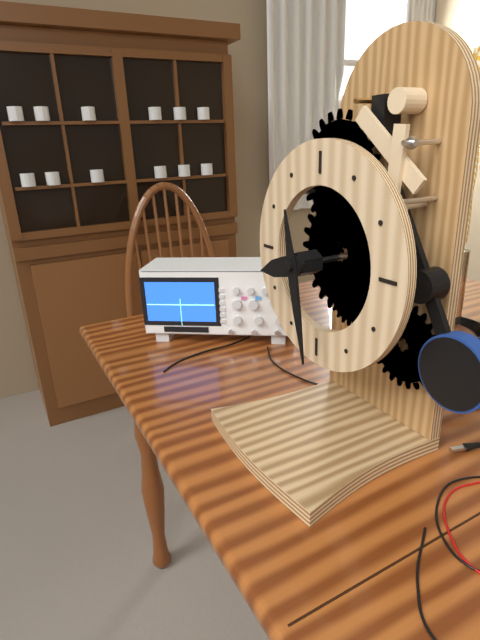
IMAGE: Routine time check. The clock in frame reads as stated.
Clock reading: 8:28
